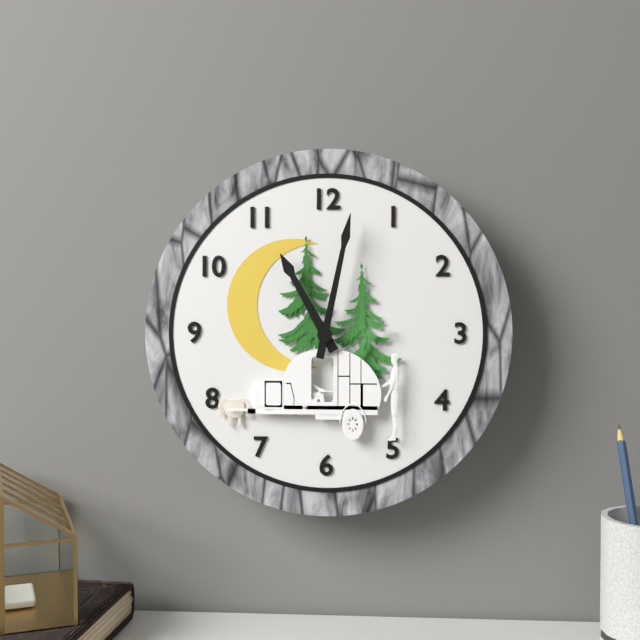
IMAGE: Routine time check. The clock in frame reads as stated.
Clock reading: 11:02
